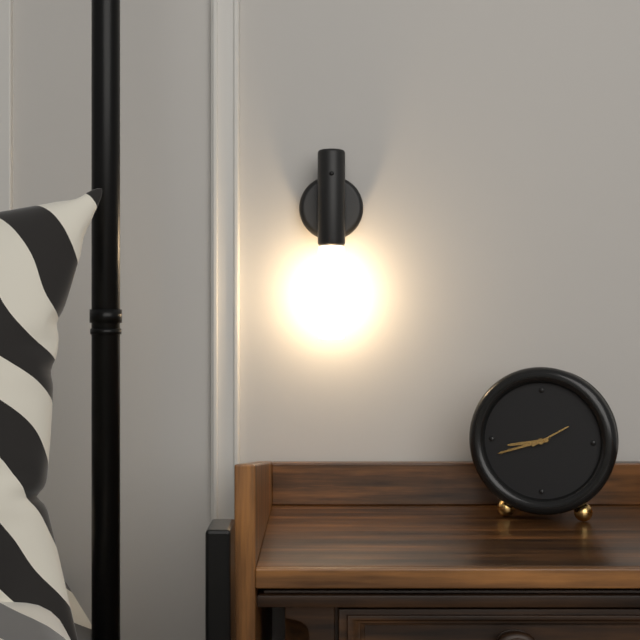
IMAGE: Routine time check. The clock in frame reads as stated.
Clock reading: 8:42
